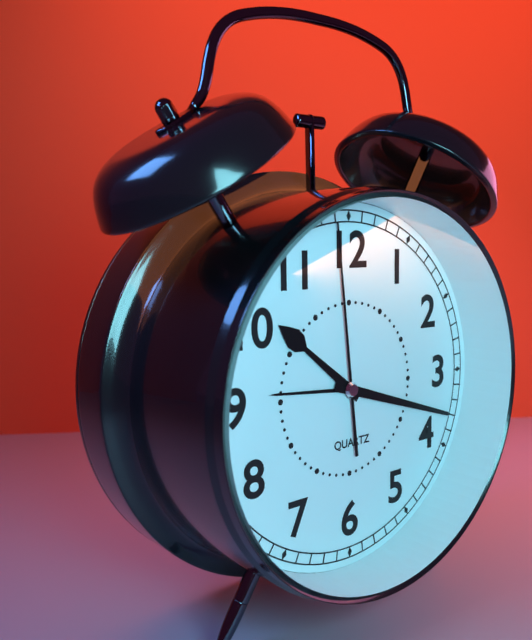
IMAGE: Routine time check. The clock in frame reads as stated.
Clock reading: 10:18:59
